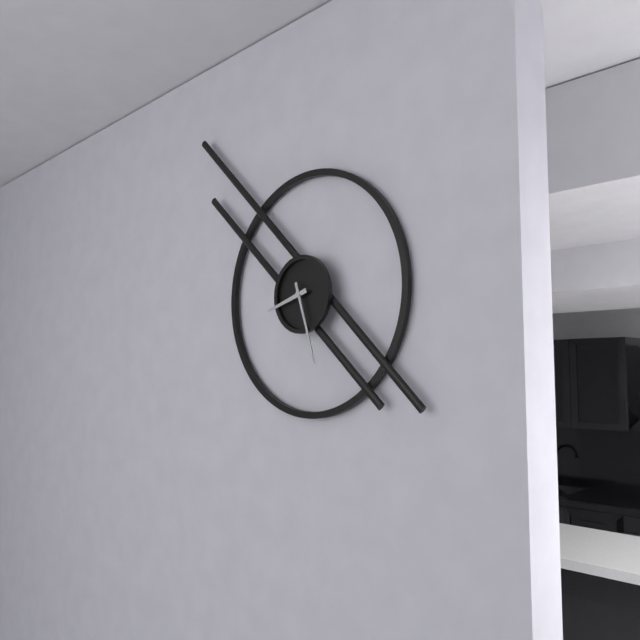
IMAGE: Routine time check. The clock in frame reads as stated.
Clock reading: 8:27
